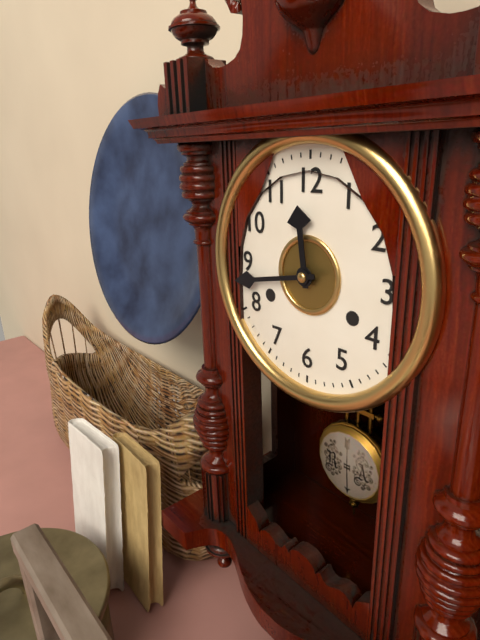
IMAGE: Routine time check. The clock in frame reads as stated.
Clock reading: 11:43
